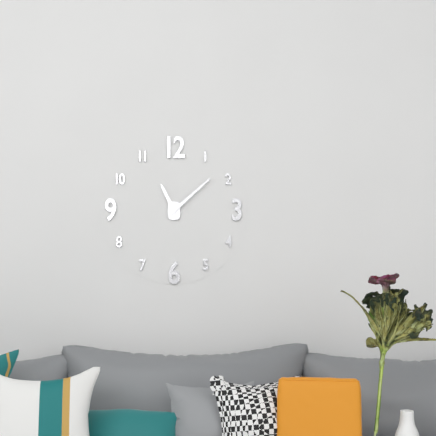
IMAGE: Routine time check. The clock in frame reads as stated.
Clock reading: 11:08
